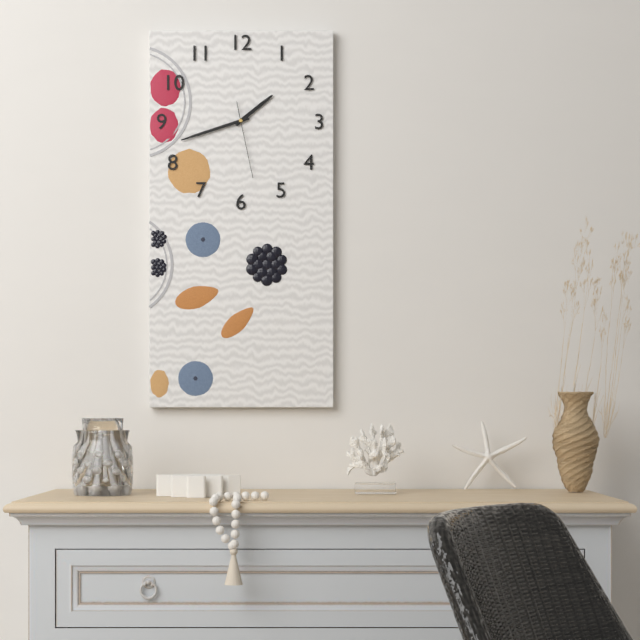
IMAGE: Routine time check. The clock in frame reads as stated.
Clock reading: 1:42:28
